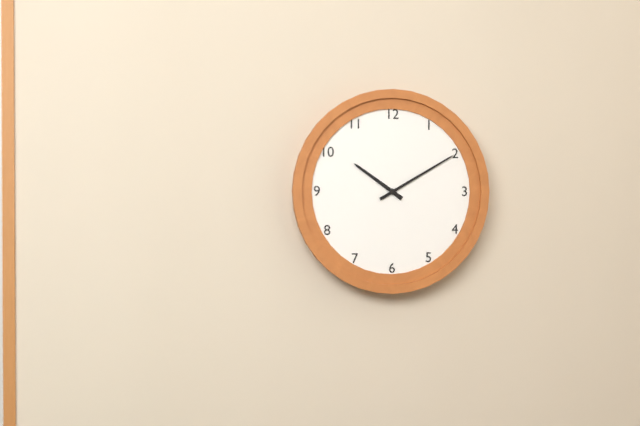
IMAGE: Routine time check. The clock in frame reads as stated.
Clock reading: 10:10
